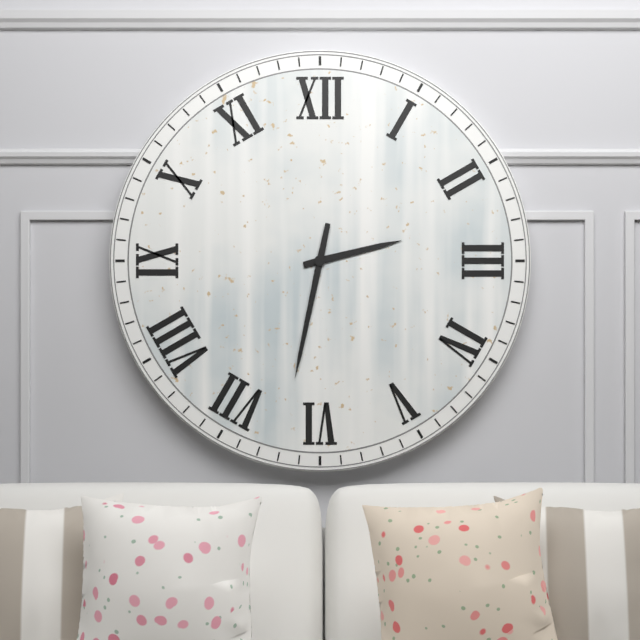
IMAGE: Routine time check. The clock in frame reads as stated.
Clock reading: 2:32
